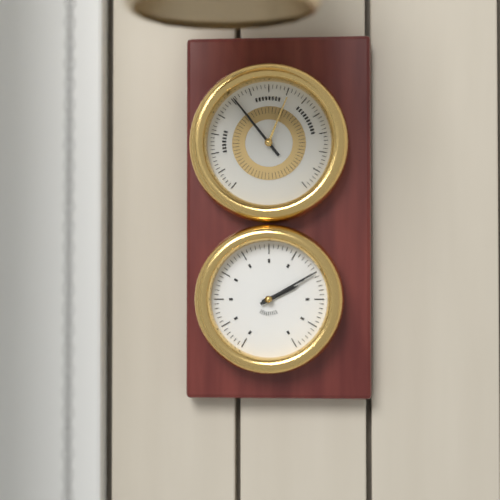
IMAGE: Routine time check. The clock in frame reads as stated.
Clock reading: 2:10
